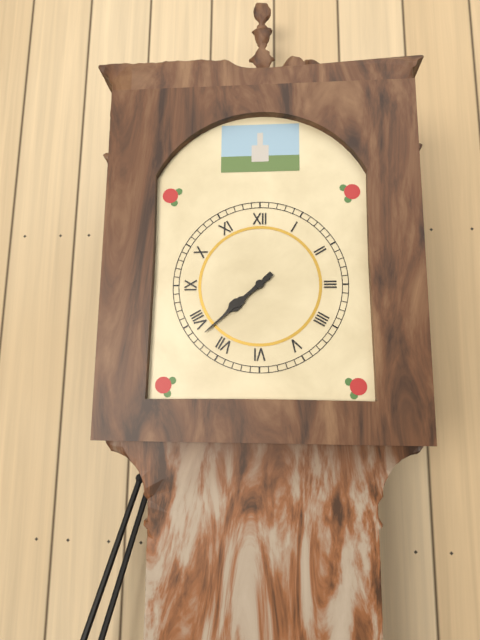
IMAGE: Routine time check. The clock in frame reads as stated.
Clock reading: 7:38
